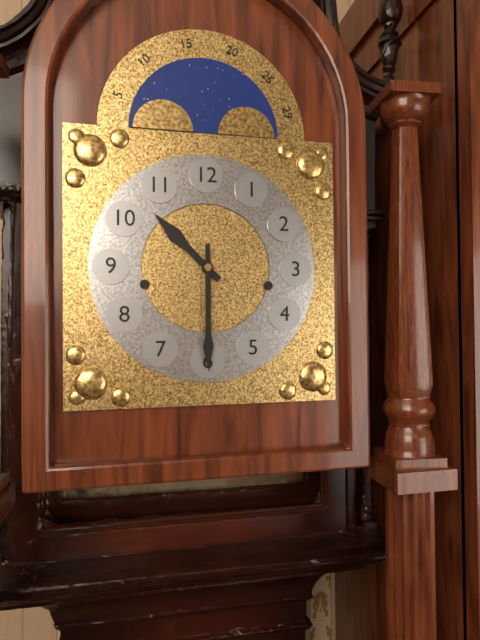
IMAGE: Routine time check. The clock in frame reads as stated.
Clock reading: 10:30
